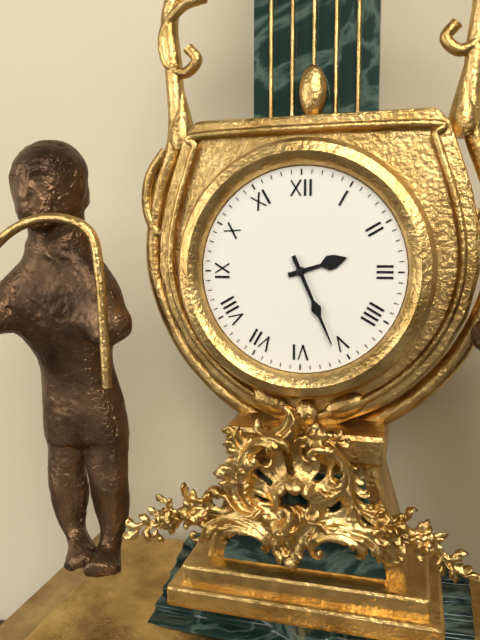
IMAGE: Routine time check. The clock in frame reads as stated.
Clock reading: 2:26
